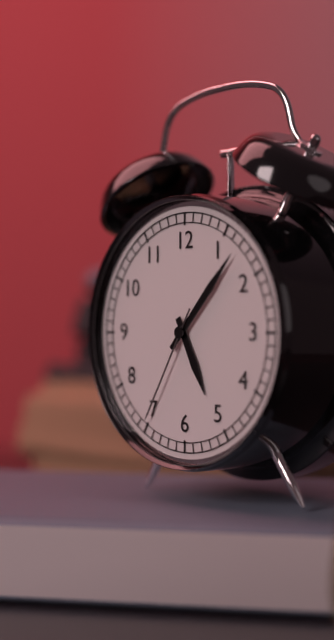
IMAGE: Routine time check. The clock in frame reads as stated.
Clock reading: 5:07:35
